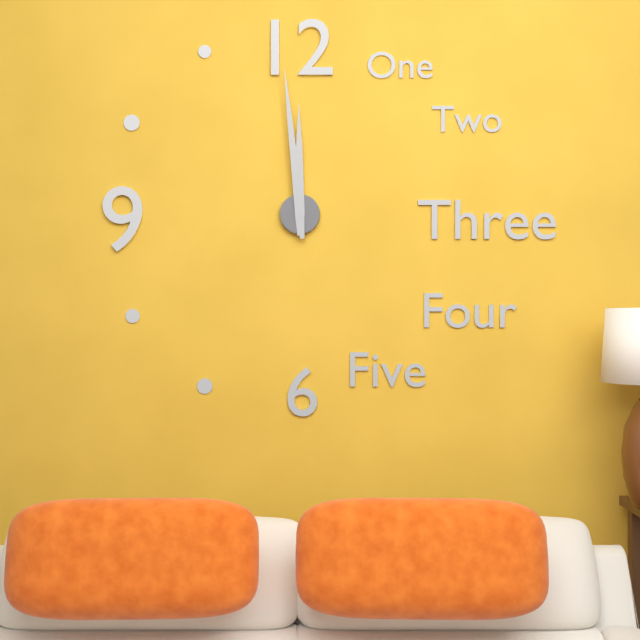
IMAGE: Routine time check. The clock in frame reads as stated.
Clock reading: 11:59
